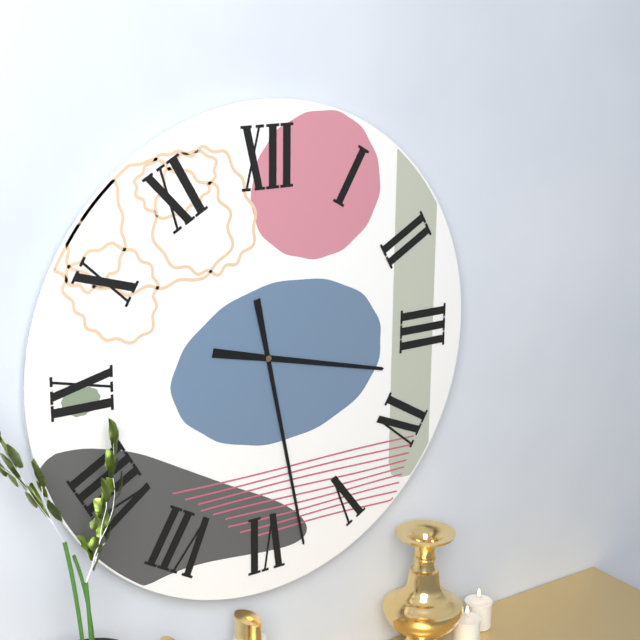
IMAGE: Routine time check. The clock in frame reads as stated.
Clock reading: 3:28
